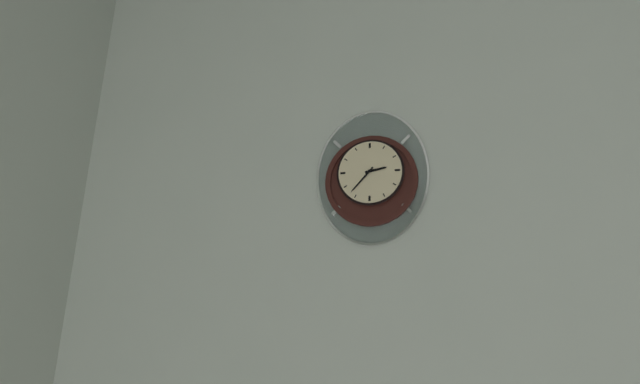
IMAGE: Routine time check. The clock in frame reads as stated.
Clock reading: 2:37
